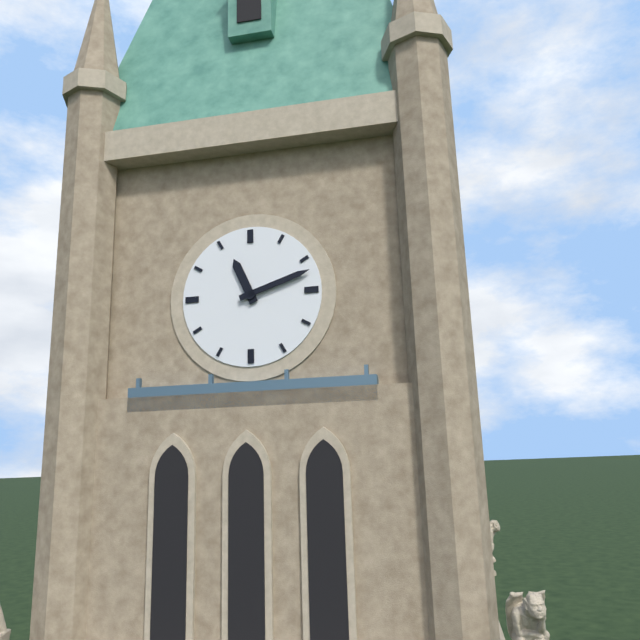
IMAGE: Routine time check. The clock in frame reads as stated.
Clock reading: 11:12
